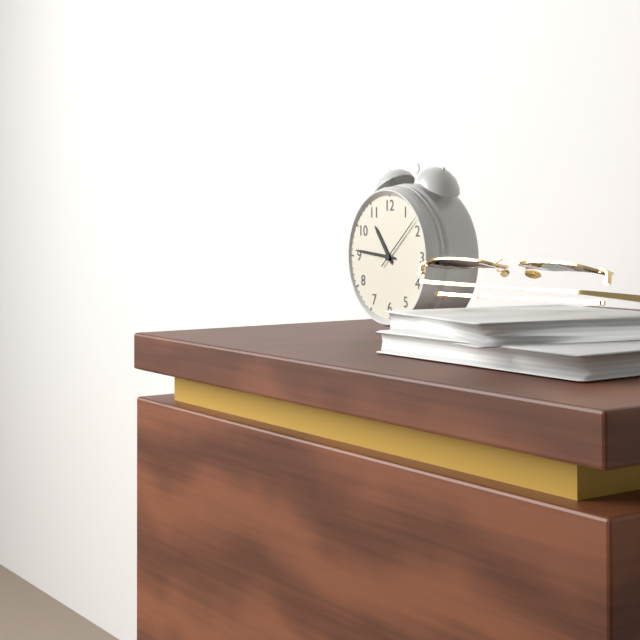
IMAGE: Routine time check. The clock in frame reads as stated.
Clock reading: 10:46:08
